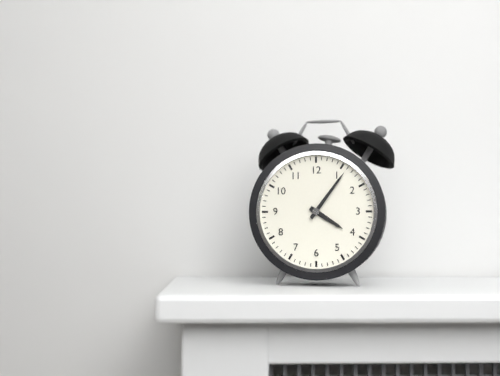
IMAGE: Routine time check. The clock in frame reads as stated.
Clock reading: 4:06
